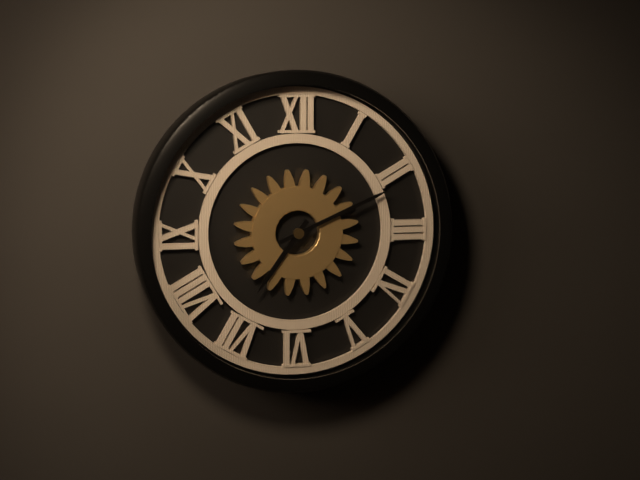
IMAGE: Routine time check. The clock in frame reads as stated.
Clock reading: 7:11
